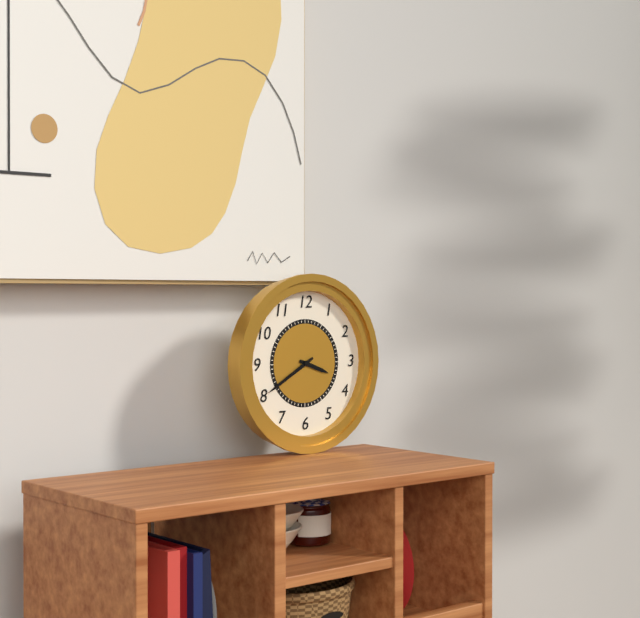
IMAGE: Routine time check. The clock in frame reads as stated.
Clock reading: 3:40
